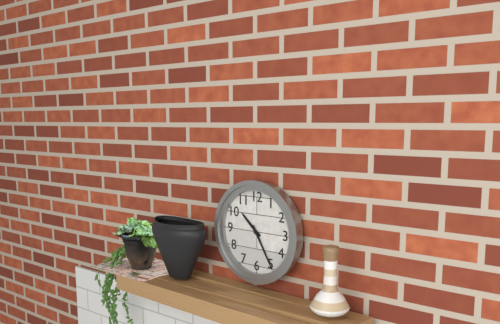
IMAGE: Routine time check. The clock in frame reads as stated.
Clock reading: 10:25
